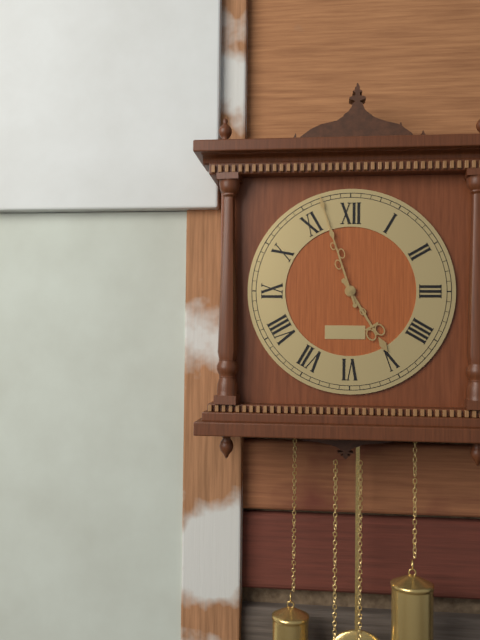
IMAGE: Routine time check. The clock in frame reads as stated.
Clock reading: 4:57
